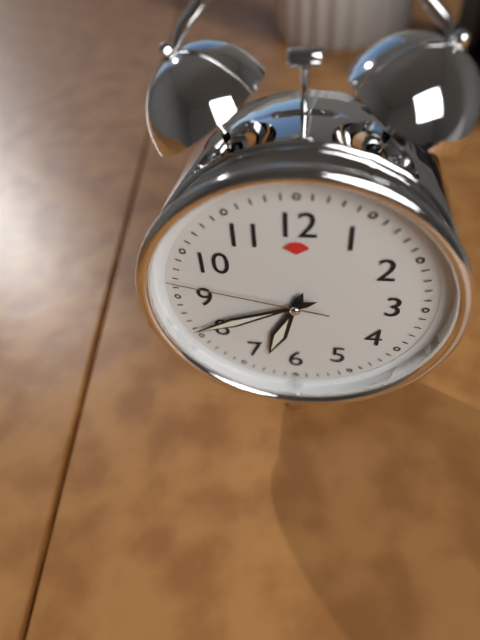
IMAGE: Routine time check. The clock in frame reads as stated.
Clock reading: 6:41:47
